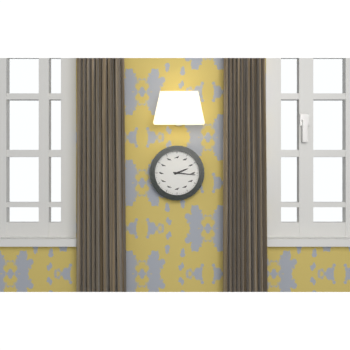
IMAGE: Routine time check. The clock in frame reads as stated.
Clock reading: 2:16
